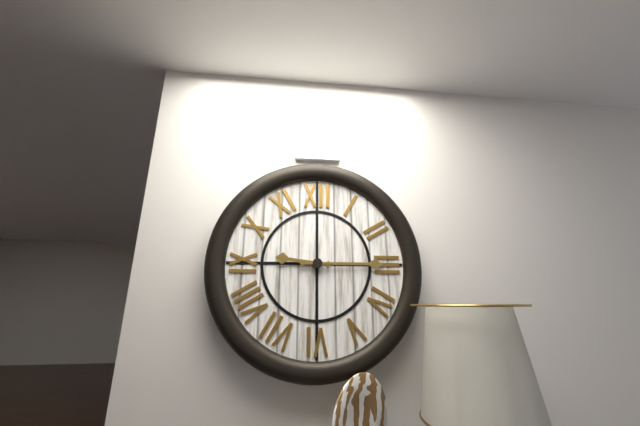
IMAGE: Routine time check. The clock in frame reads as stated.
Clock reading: 9:15
